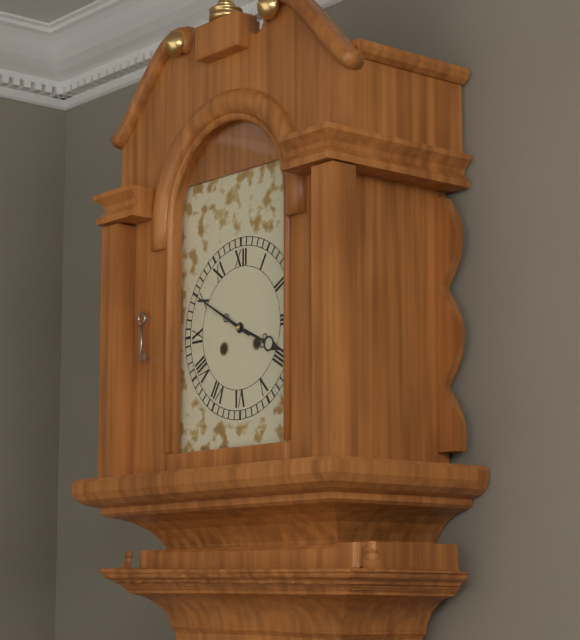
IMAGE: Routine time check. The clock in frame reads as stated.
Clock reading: 3:50
